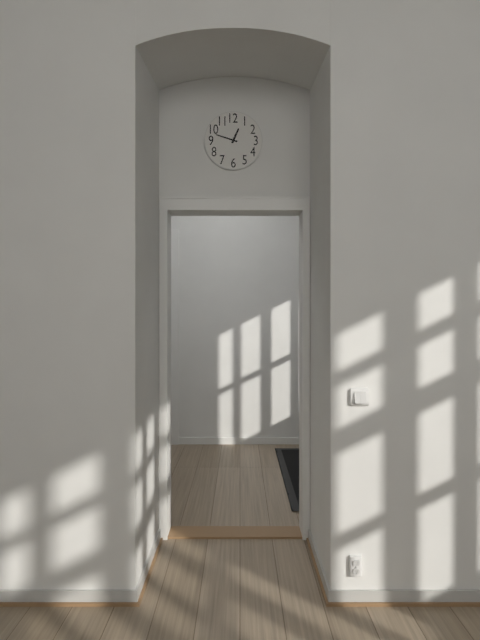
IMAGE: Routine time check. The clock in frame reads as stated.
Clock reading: 12:48
